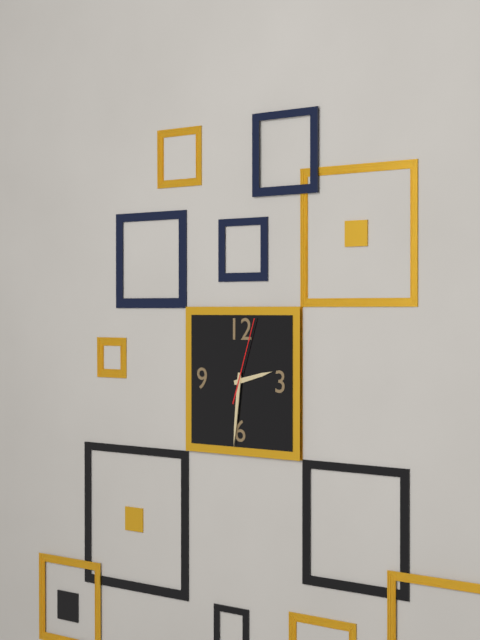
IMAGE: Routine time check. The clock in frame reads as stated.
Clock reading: 2:31:03
